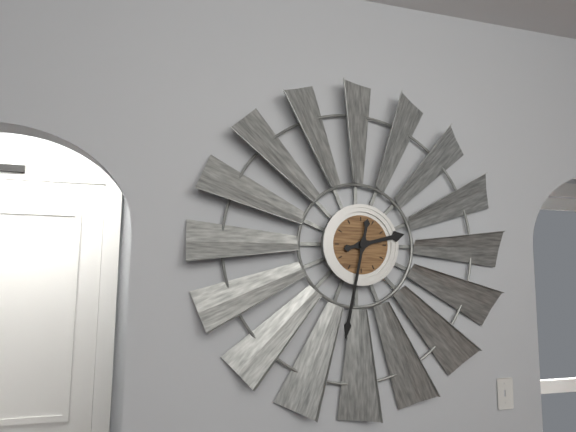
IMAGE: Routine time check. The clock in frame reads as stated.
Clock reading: 2:32
